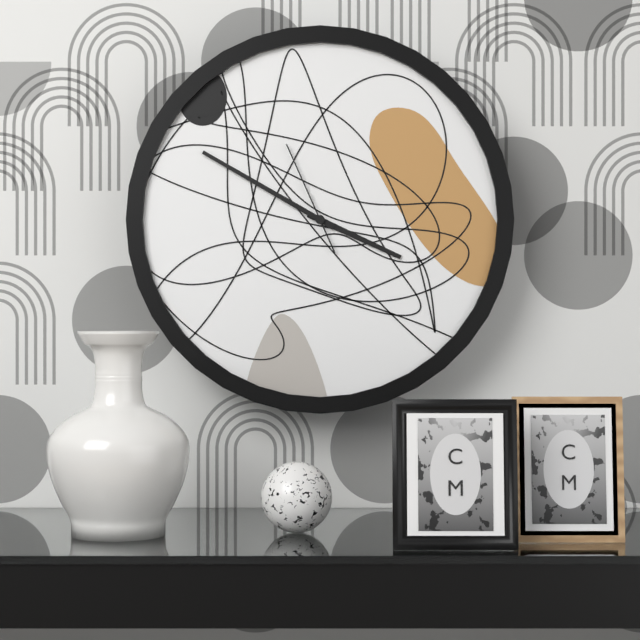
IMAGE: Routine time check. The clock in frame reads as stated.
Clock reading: 3:50:56
